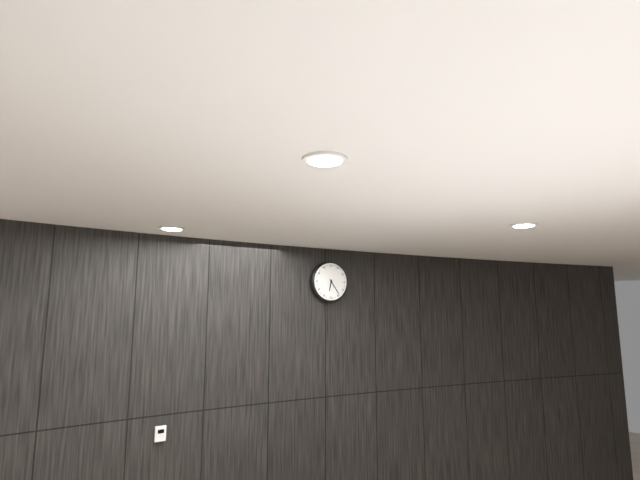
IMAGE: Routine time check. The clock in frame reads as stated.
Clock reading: 6:24
